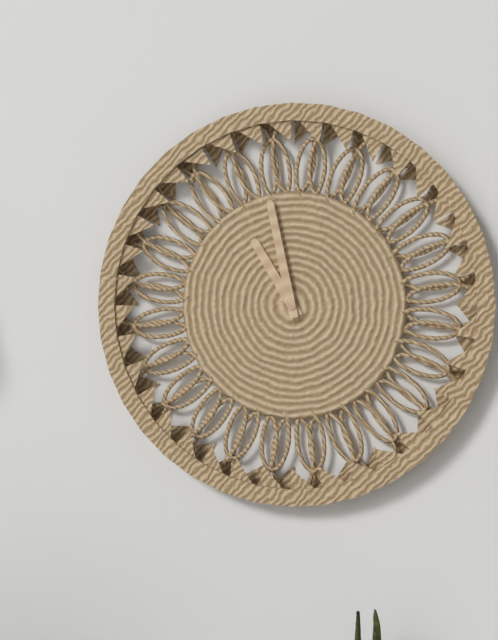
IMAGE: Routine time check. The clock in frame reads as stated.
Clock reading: 10:58
